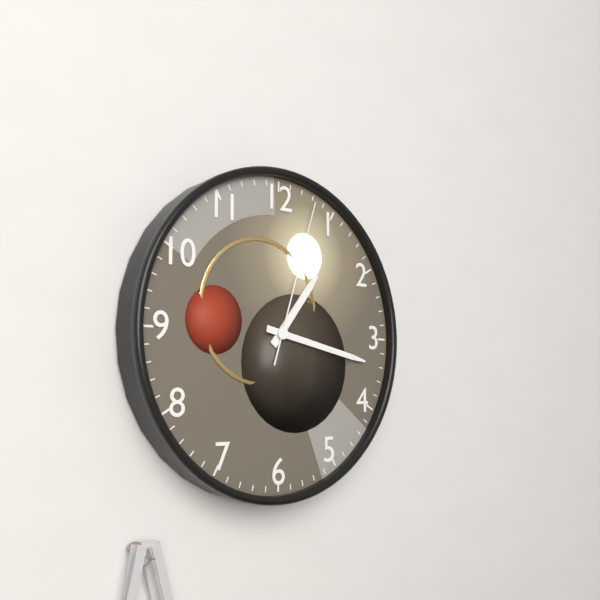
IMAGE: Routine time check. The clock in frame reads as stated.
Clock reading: 1:17:03
